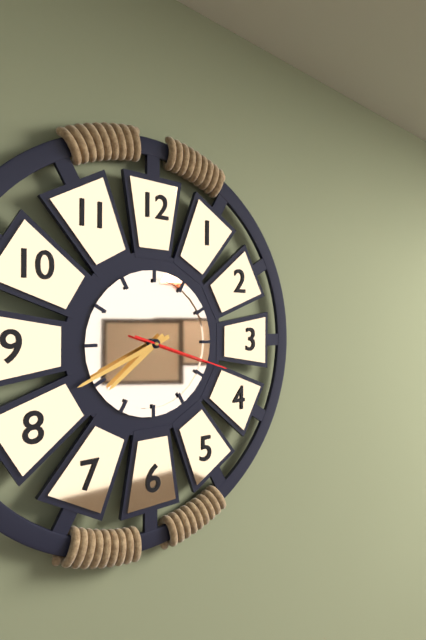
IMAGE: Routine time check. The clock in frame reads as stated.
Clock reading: 7:41:18
